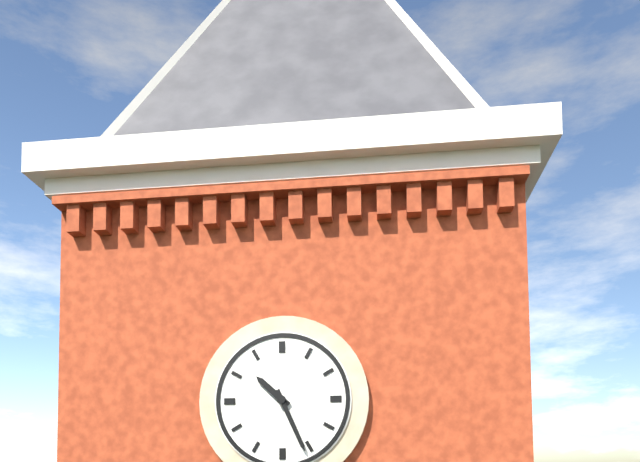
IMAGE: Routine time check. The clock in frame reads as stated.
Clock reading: 10:26
